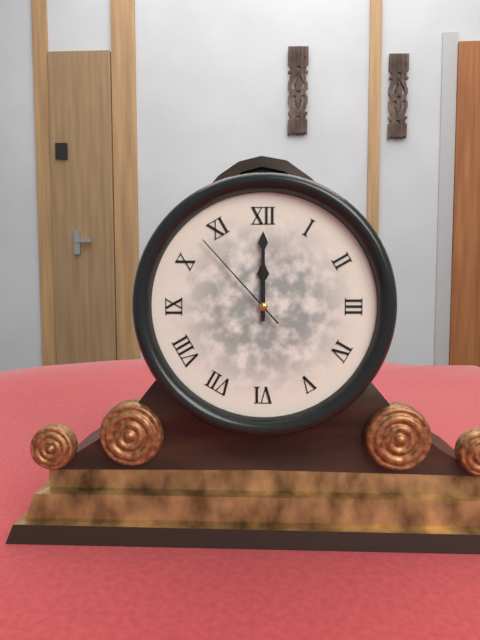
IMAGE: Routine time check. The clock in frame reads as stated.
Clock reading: 12:00:53
